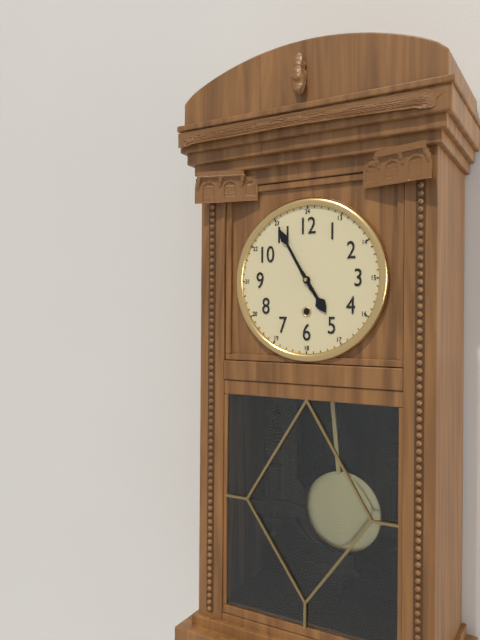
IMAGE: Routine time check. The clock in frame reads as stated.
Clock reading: 4:55
